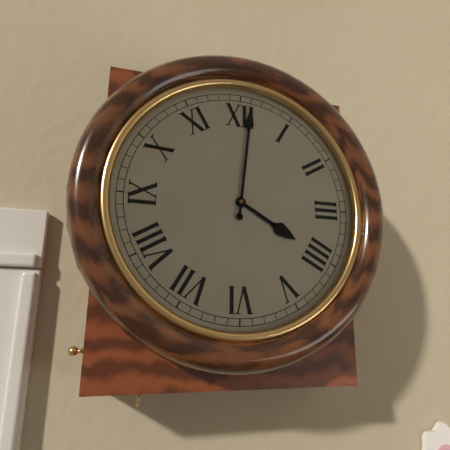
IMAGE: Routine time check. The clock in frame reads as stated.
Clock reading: 4:01
